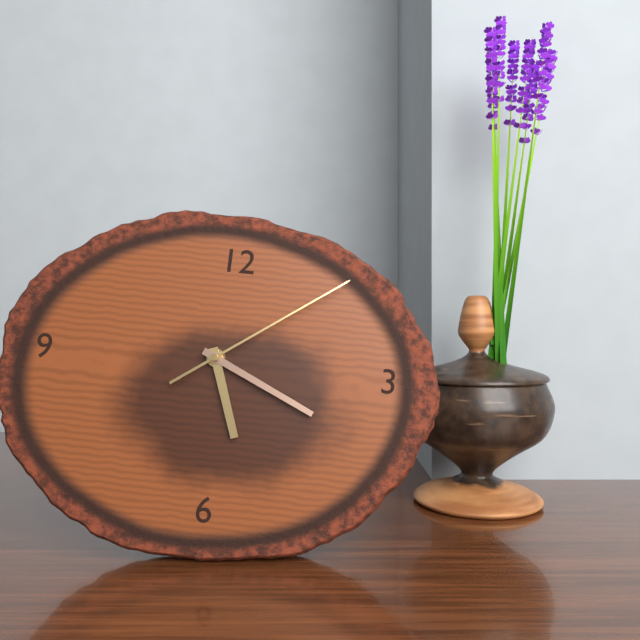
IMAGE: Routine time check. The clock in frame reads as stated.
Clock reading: 5:19:09
